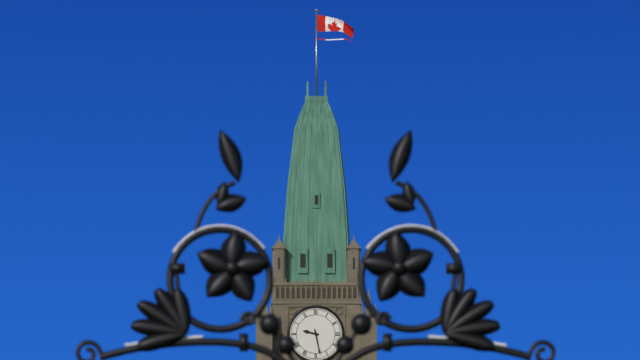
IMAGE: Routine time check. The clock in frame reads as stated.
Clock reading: 9:28
